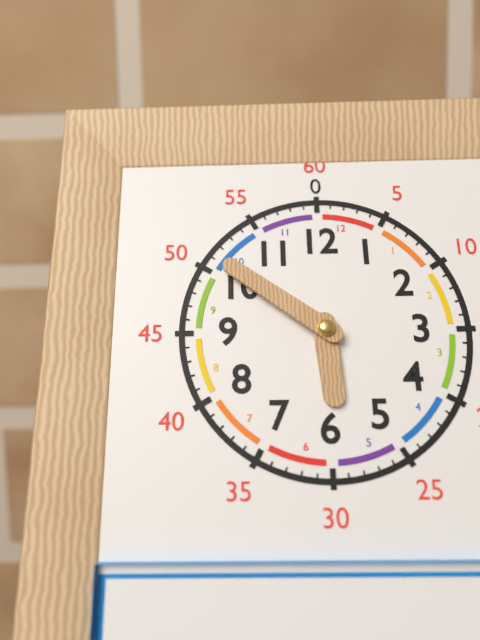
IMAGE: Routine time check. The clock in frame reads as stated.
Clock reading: 5:51
